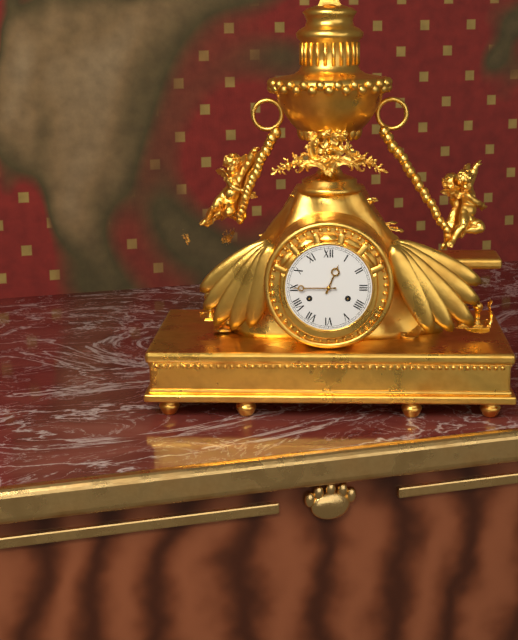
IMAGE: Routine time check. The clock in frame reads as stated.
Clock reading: 12:45
